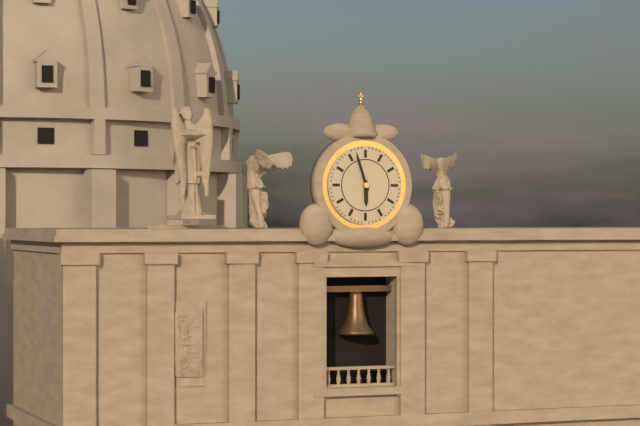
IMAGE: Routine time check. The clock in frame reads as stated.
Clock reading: 5:57
